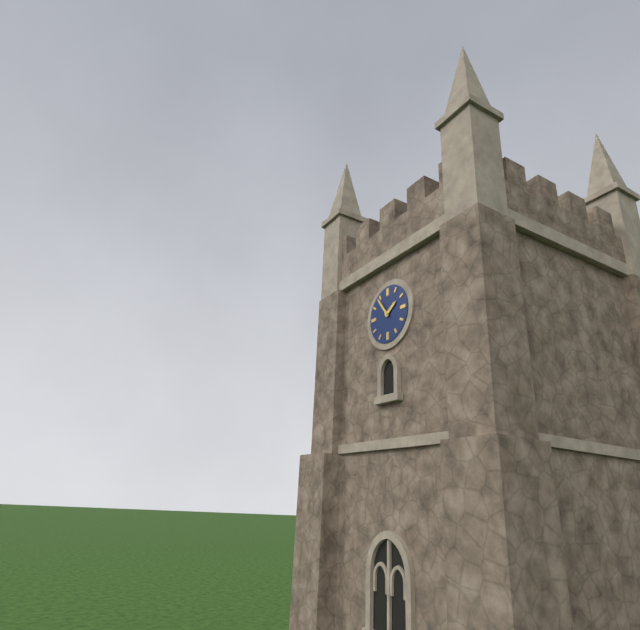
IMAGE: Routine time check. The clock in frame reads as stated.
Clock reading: 1:54
